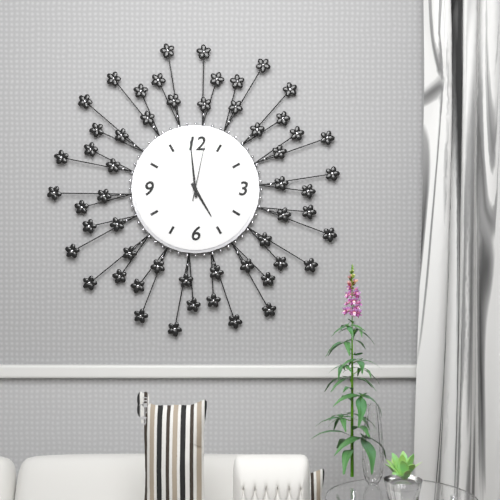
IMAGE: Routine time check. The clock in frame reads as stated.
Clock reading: 4:59:02
